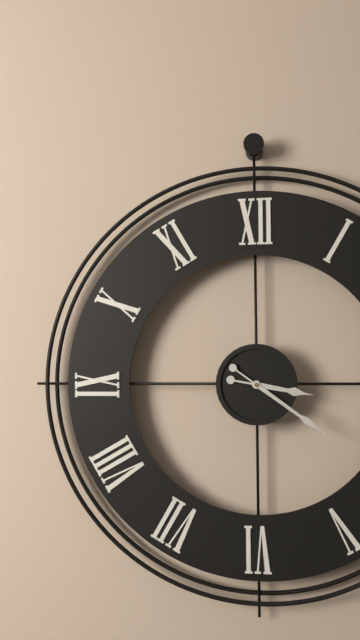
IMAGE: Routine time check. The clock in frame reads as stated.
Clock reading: 3:21
